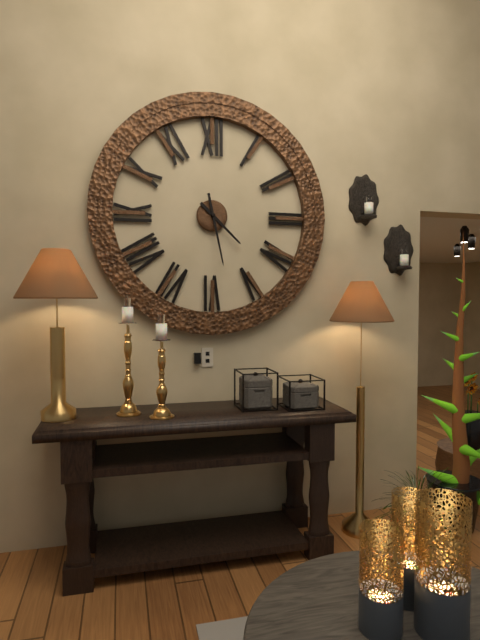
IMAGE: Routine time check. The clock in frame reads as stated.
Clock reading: 4:28
